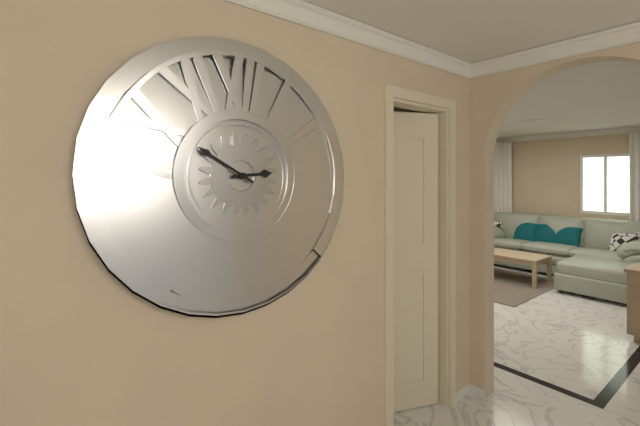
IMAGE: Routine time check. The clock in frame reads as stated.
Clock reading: 2:50
